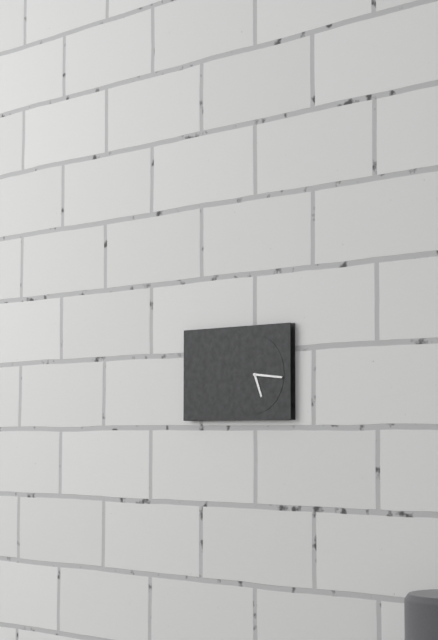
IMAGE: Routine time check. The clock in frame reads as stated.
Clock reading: 5:16
